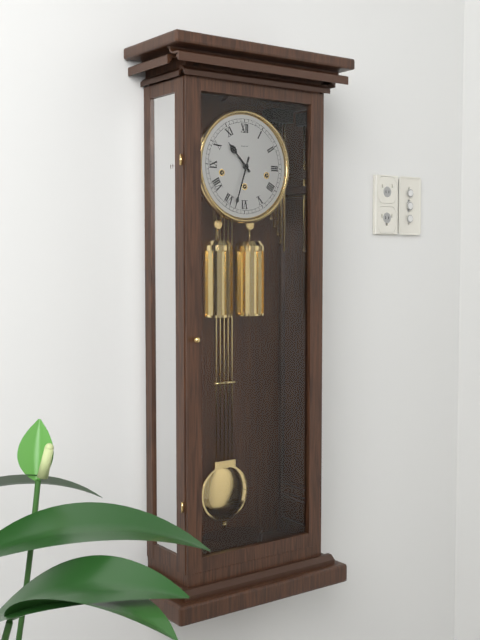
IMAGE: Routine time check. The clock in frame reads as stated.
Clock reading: 10:33
